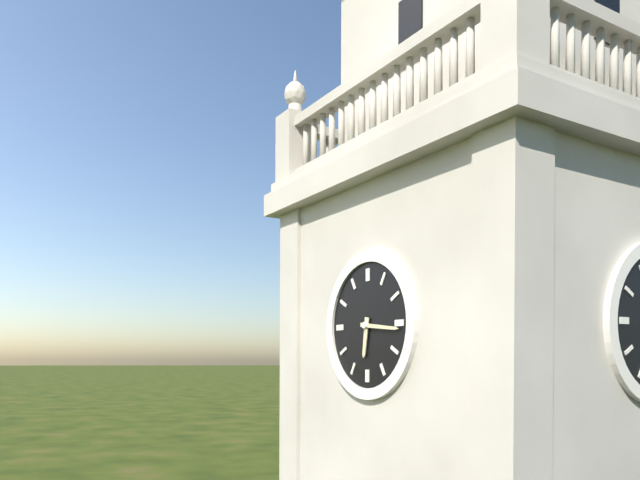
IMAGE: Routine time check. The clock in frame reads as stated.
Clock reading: 6:16
